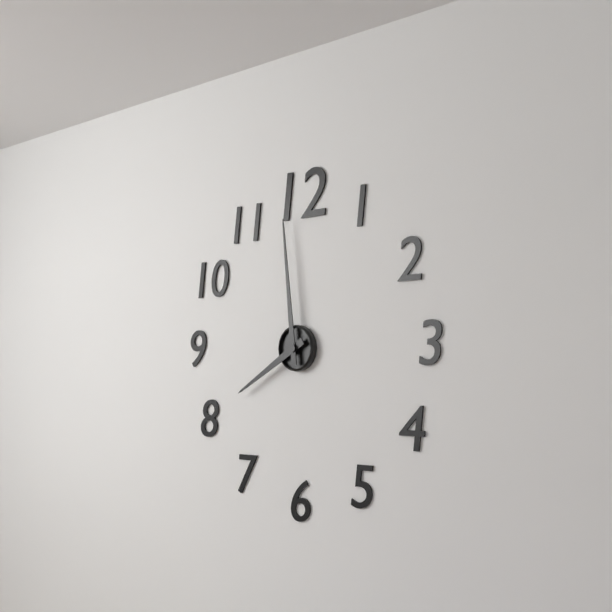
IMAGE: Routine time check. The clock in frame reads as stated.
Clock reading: 7:59
